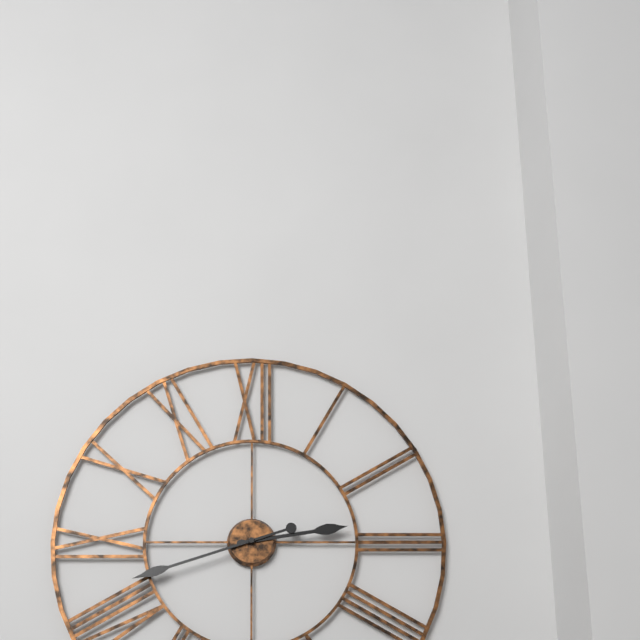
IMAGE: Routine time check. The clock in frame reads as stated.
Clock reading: 2:42
